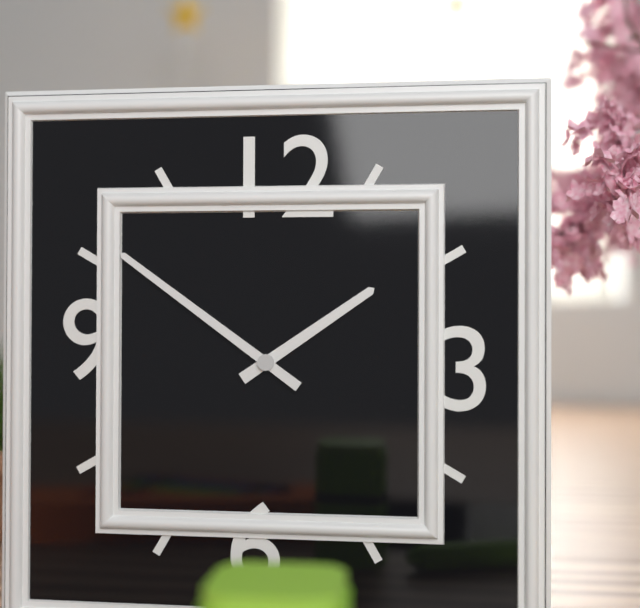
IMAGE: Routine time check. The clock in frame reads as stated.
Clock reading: 1:51
